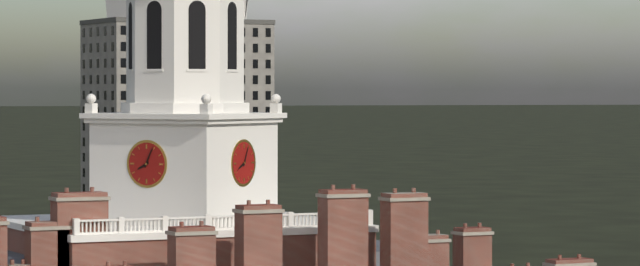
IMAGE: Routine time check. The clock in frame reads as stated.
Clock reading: 8:04
